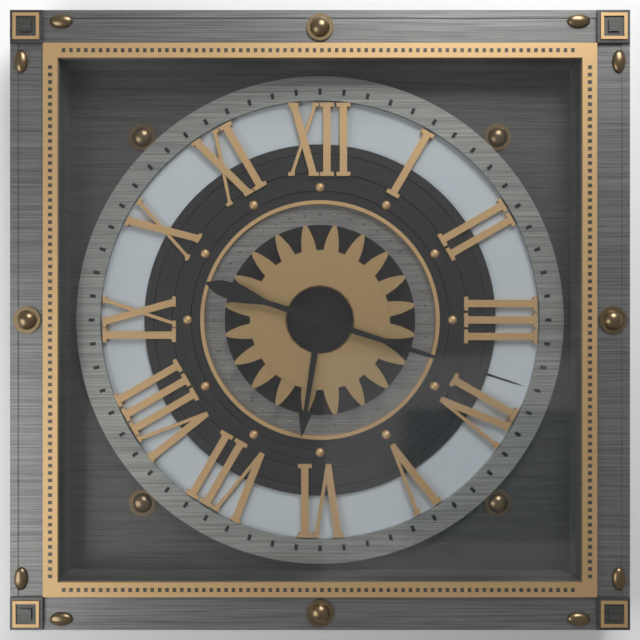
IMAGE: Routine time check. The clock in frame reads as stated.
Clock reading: 6:18
